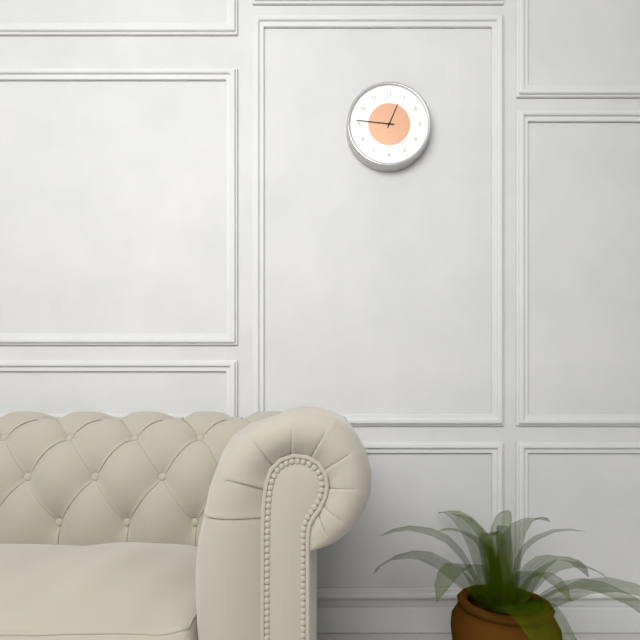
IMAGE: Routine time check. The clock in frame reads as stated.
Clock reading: 12:46
